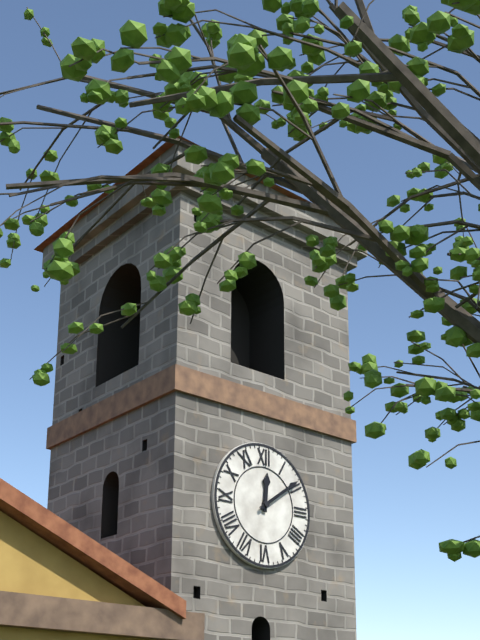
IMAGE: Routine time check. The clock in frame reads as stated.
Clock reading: 12:09
